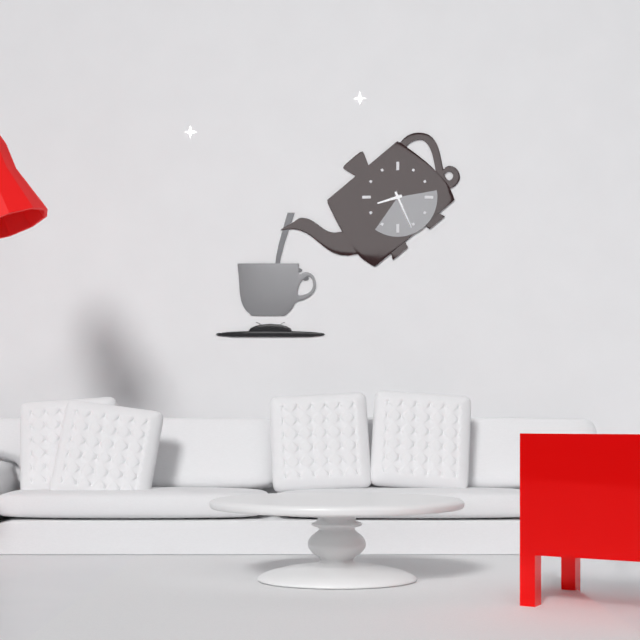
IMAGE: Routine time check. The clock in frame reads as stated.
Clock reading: 8:26
